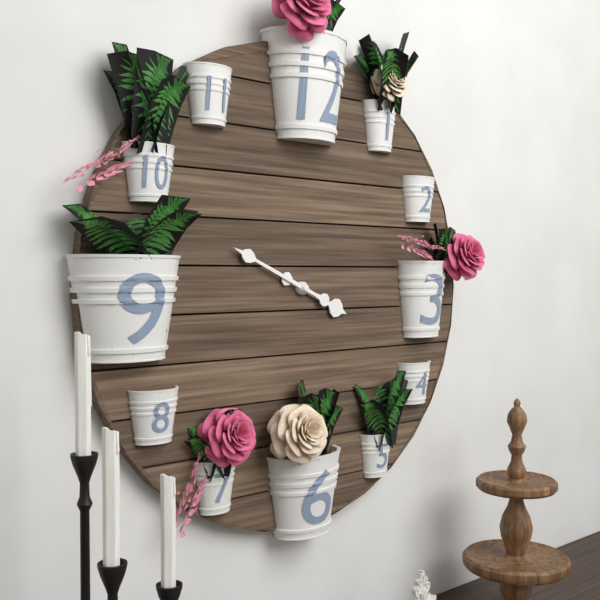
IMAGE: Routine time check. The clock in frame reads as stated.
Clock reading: 3:49
